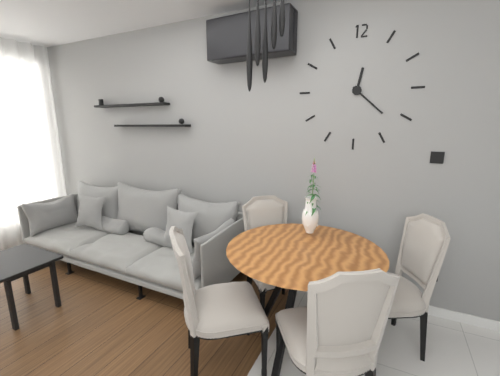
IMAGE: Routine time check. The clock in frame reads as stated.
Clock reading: 12:22
